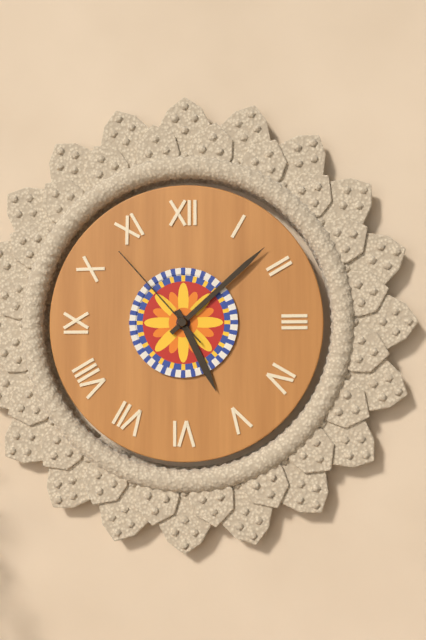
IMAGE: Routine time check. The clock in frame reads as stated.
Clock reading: 5:08:53
